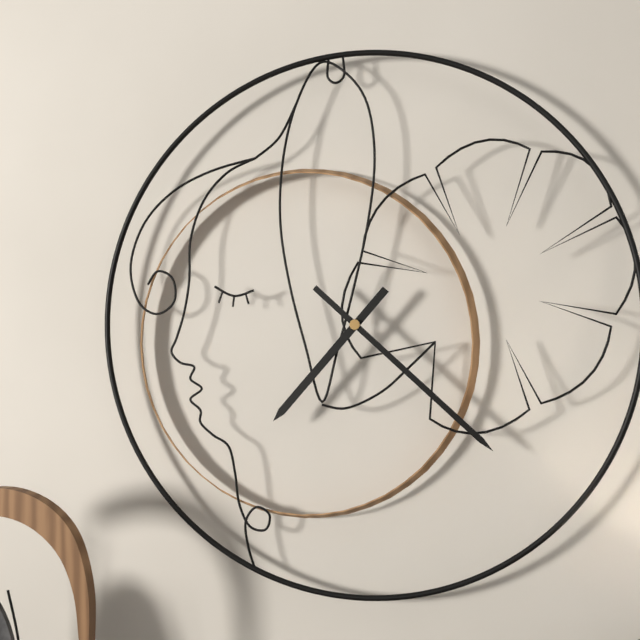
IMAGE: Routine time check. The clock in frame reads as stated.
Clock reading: 7:22
